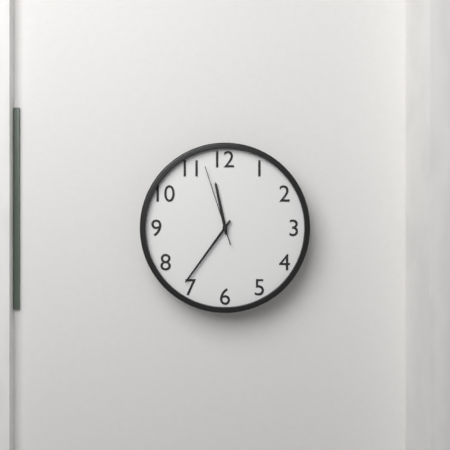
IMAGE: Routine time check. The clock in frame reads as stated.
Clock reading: 11:36:57
